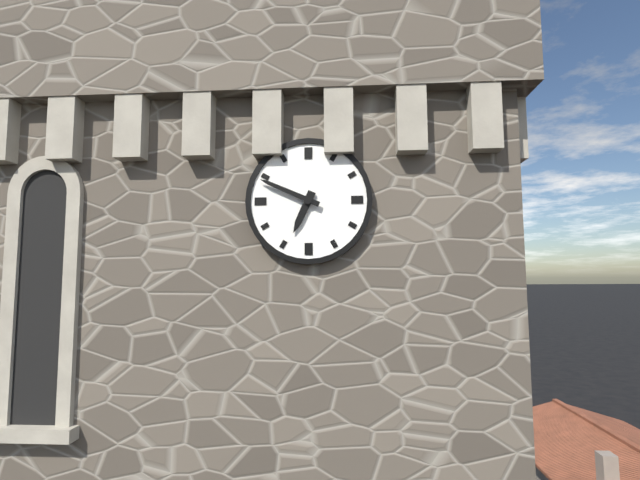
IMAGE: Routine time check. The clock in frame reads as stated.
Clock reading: 6:49
